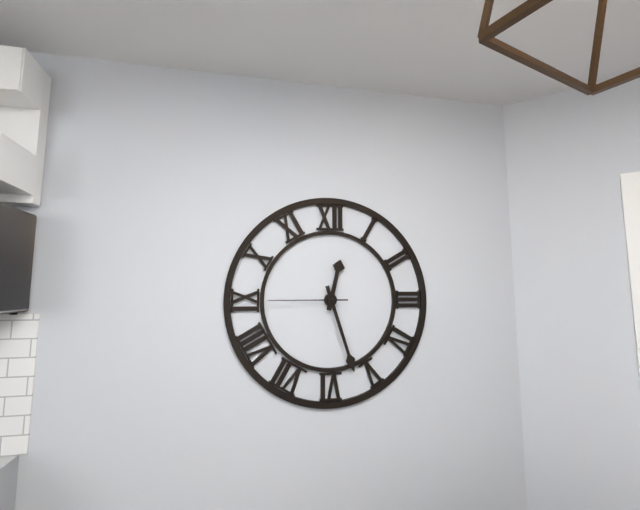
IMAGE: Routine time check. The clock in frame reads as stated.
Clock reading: 12:27:45
